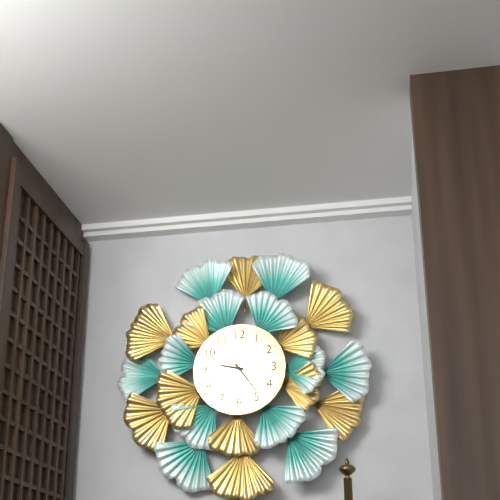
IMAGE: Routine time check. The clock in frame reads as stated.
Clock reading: 9:24
